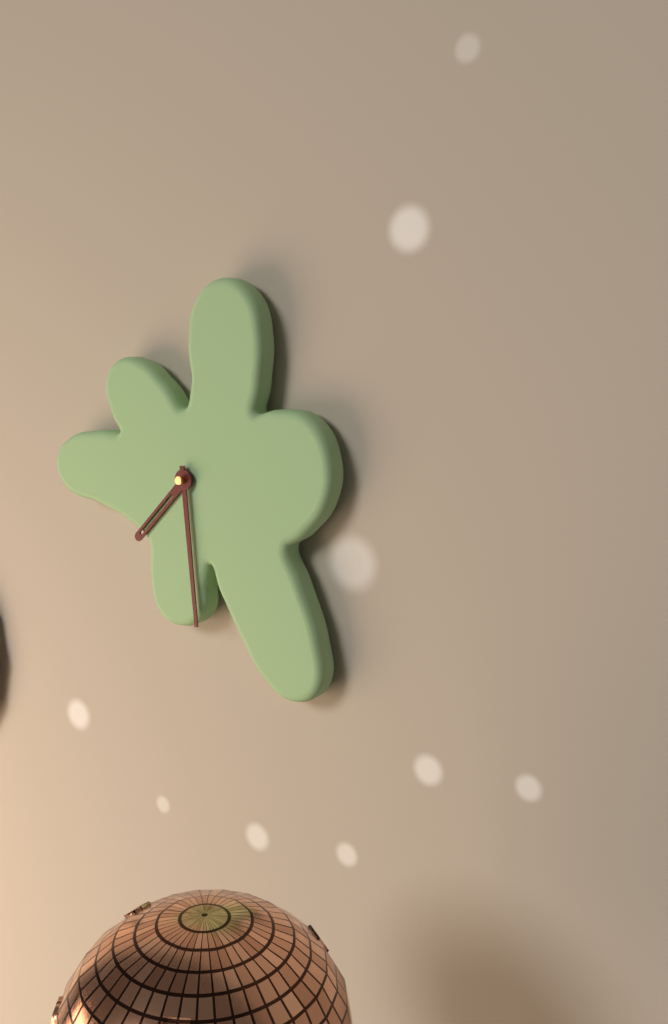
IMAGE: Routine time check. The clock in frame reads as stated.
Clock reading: 7:29
